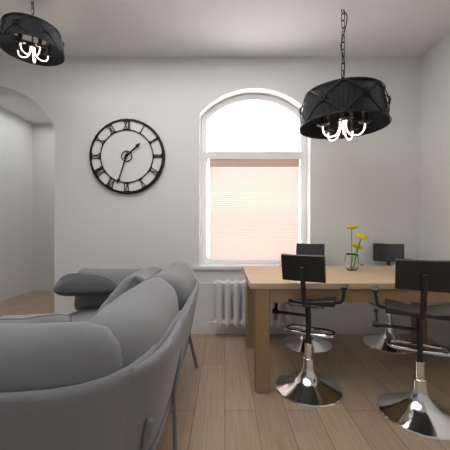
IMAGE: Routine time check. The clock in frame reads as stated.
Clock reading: 1:33
